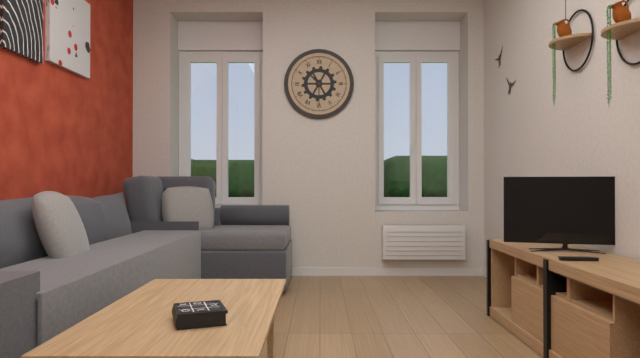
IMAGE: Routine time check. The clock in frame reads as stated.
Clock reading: 10:30
